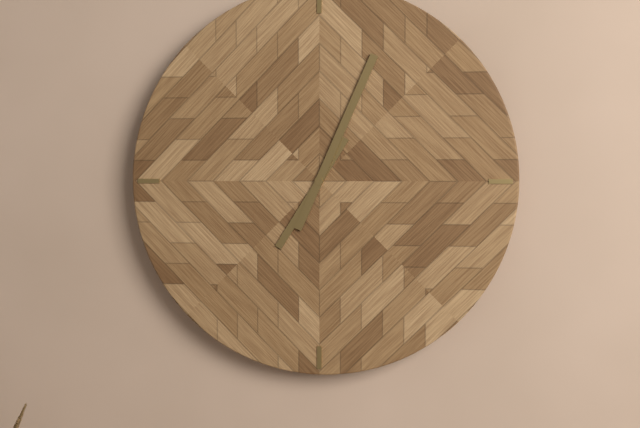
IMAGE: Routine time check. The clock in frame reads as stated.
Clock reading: 7:04
